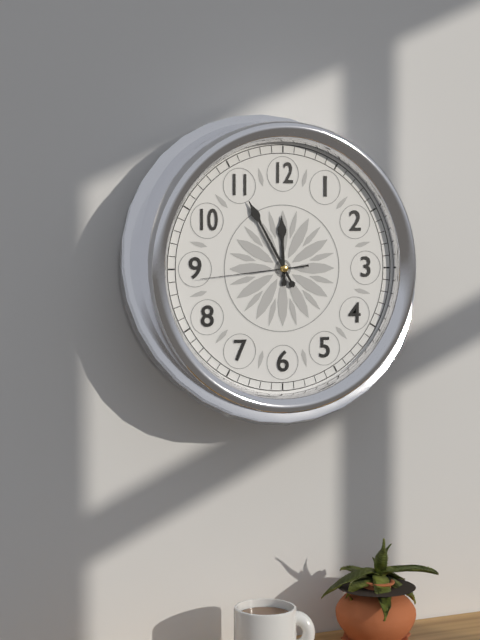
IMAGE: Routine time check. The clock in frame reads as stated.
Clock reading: 11:55:44
